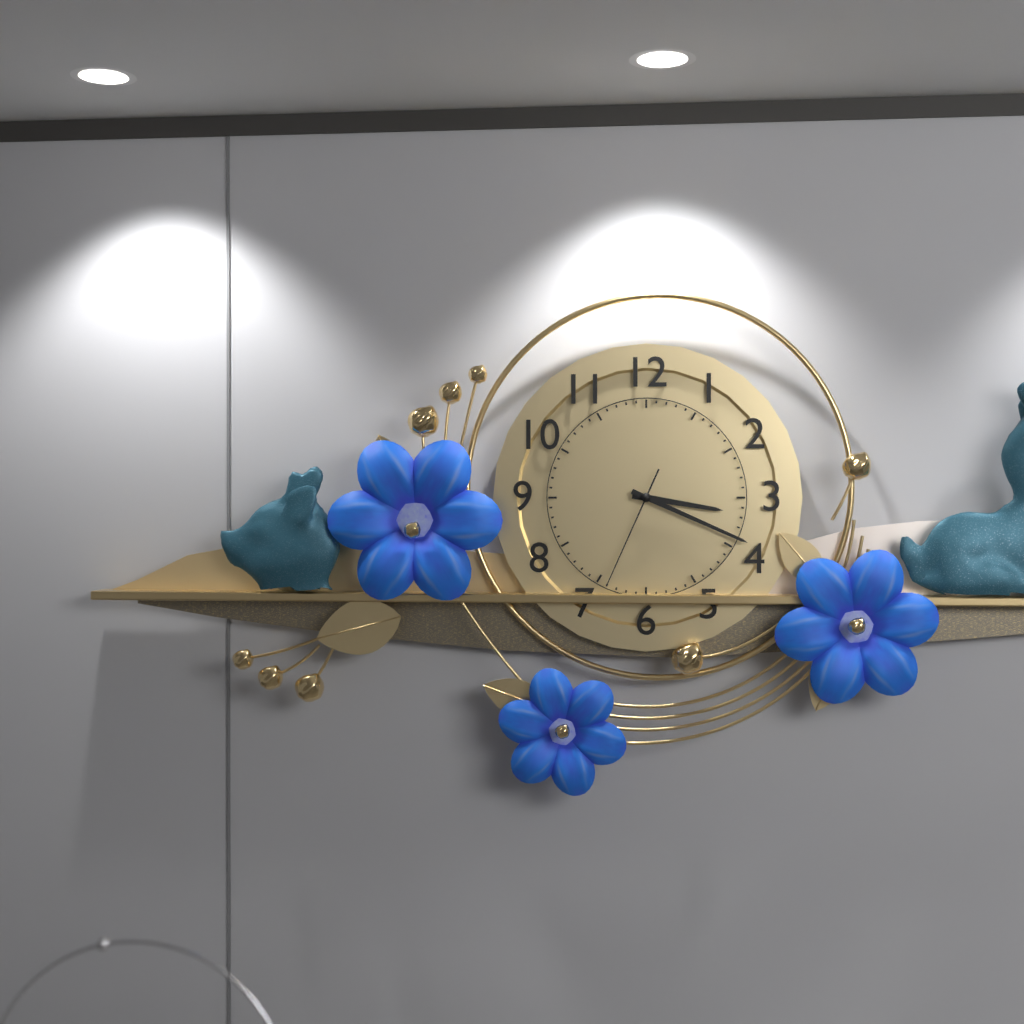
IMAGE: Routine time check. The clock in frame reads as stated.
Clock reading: 3:19:34
